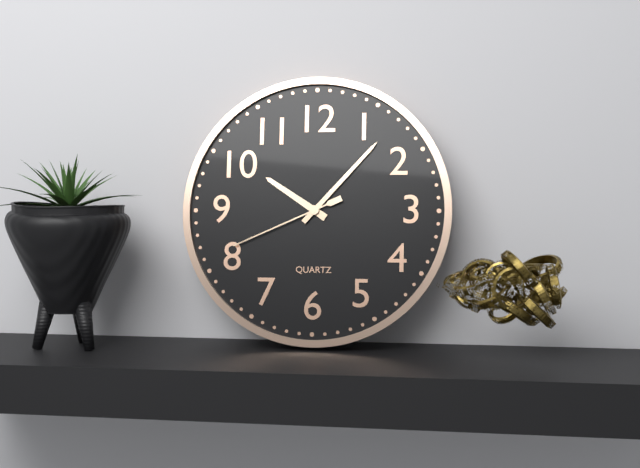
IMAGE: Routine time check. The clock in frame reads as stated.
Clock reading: 10:07:41
